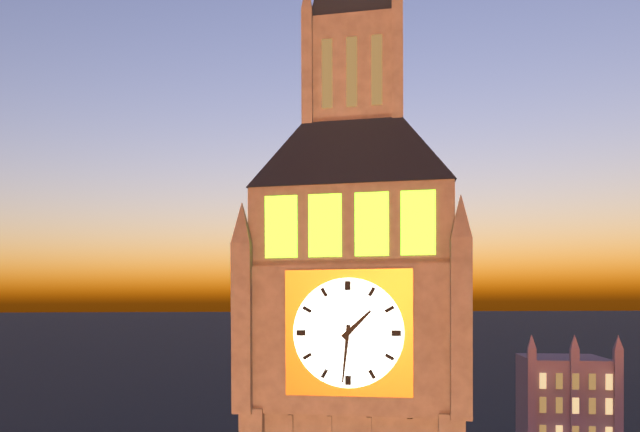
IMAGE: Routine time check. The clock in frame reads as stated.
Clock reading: 1:31
